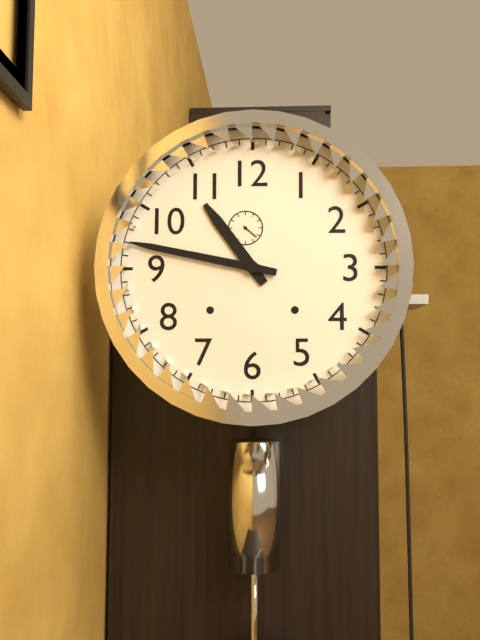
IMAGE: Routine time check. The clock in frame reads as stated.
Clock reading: 10:47
